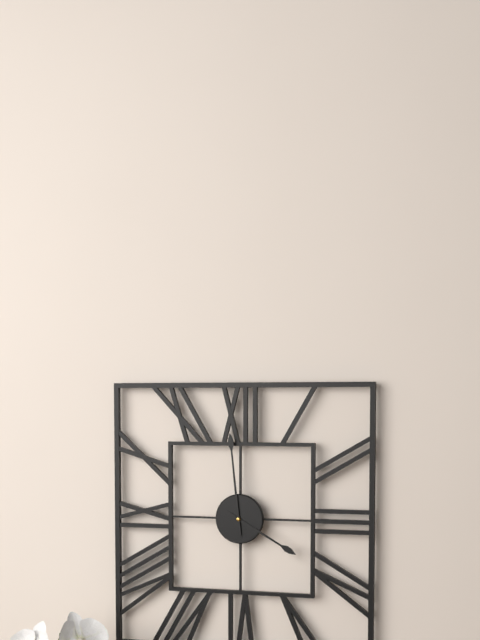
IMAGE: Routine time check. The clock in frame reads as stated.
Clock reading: 3:59
